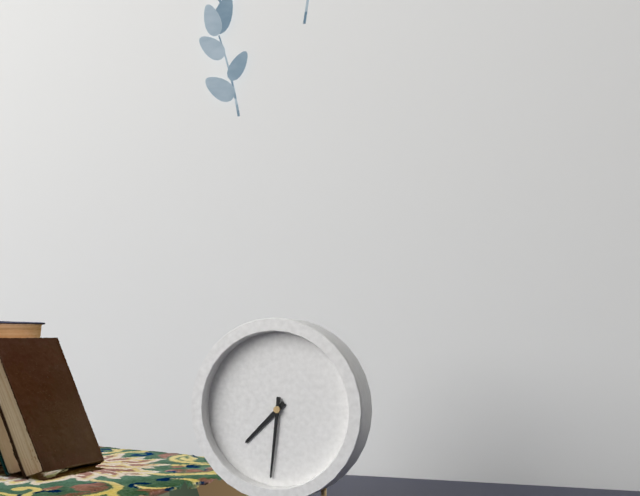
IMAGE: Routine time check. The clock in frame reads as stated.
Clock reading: 7:31
